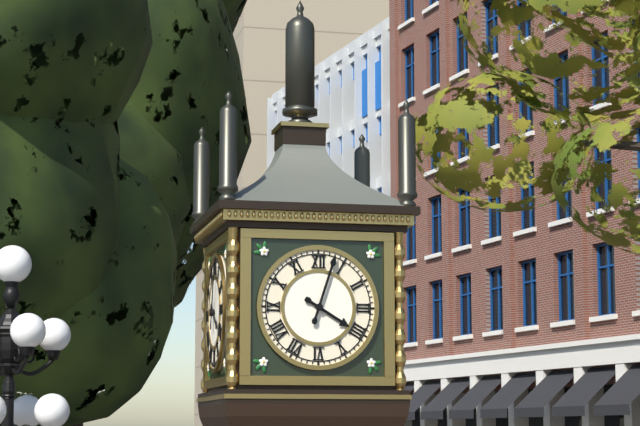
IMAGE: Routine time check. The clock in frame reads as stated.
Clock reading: 4:03
